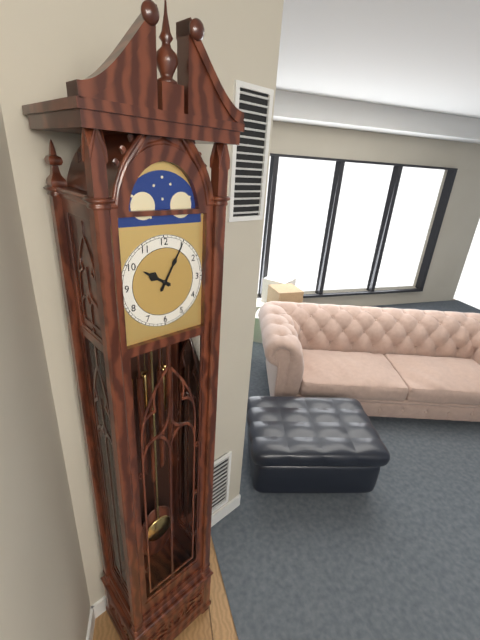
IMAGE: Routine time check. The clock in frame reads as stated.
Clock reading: 10:05
